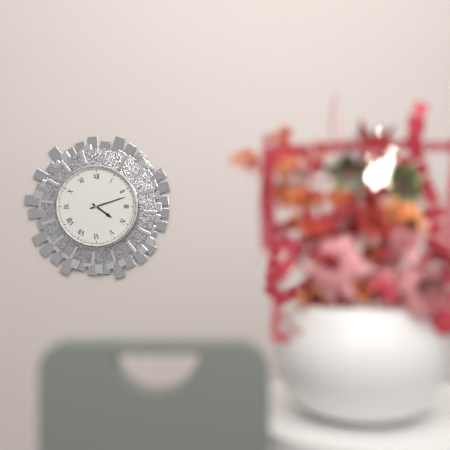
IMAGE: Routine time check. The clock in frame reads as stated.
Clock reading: 4:12
